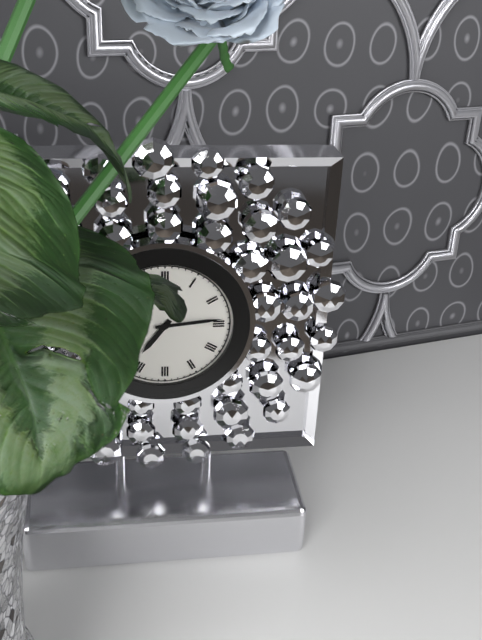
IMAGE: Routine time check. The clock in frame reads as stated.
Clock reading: 7:14
